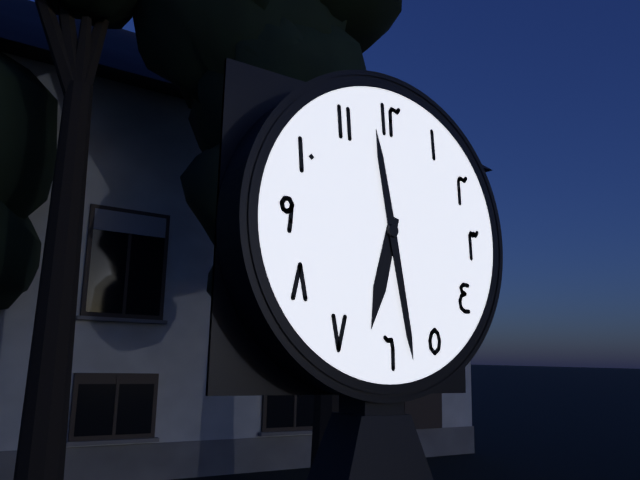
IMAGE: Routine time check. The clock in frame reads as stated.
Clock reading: 6:28
